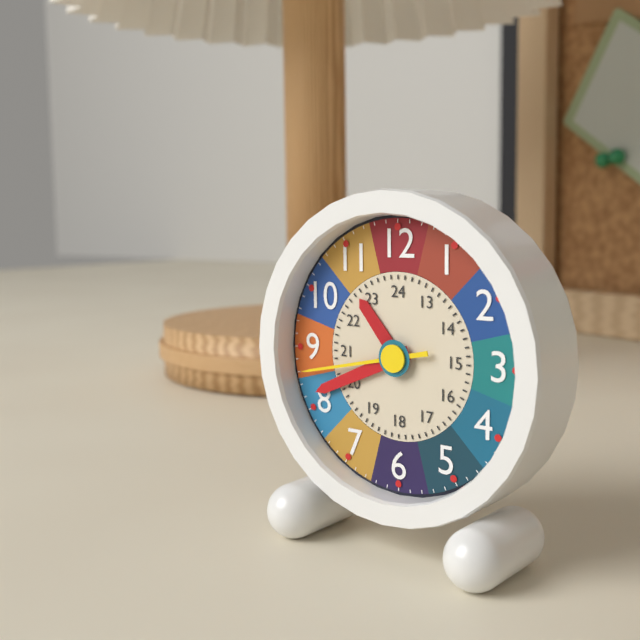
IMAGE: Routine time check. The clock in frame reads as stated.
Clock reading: 10:41:43
